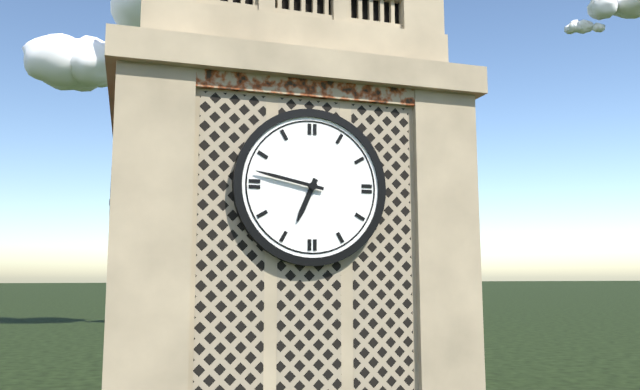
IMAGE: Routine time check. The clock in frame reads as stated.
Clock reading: 6:47
